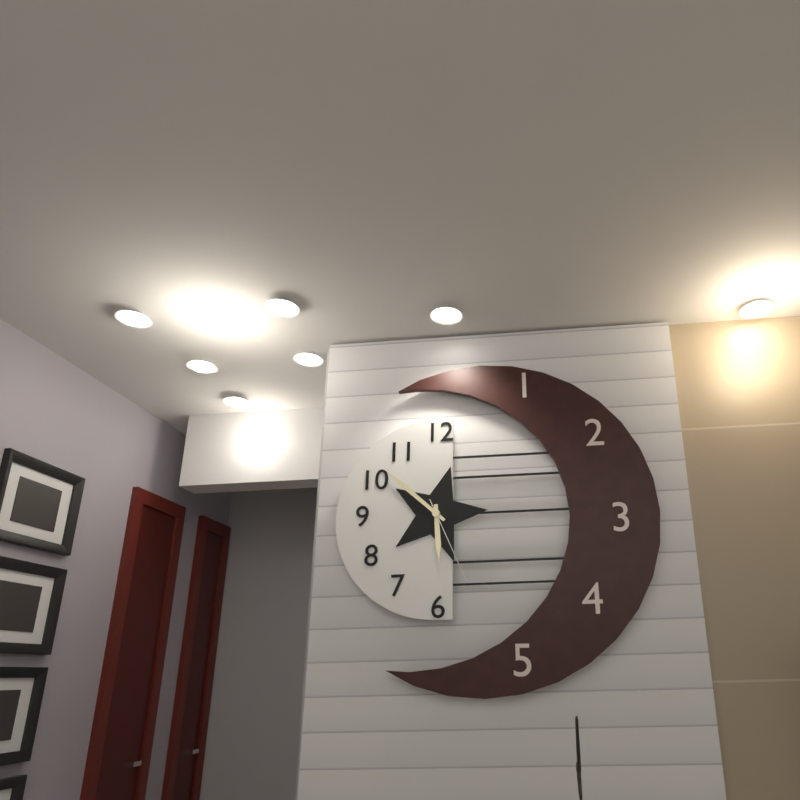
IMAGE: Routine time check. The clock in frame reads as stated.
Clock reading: 5:52:26
